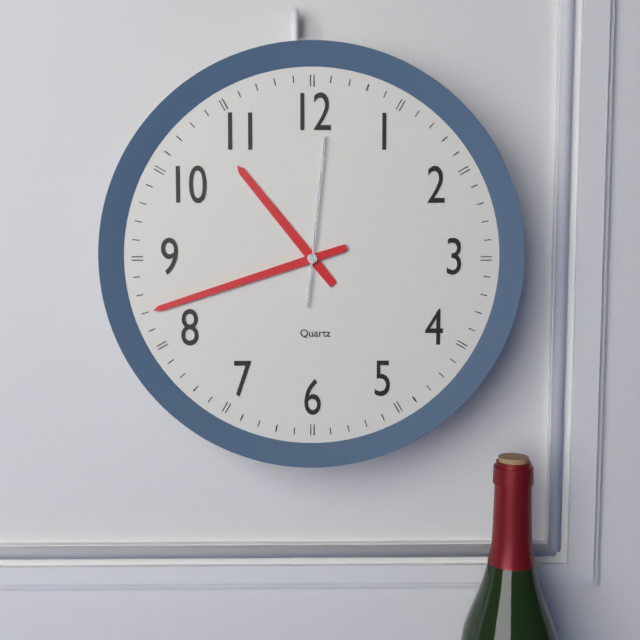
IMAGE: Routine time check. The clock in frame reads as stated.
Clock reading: 10:42:01
